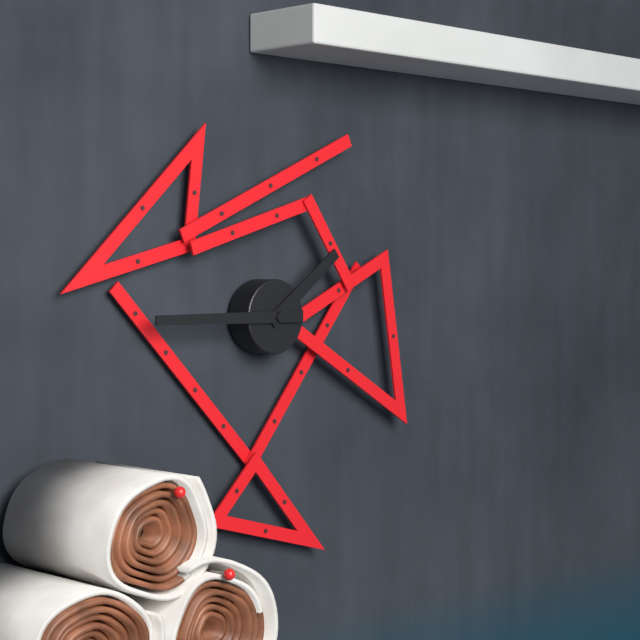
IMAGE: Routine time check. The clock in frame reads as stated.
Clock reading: 1:45
